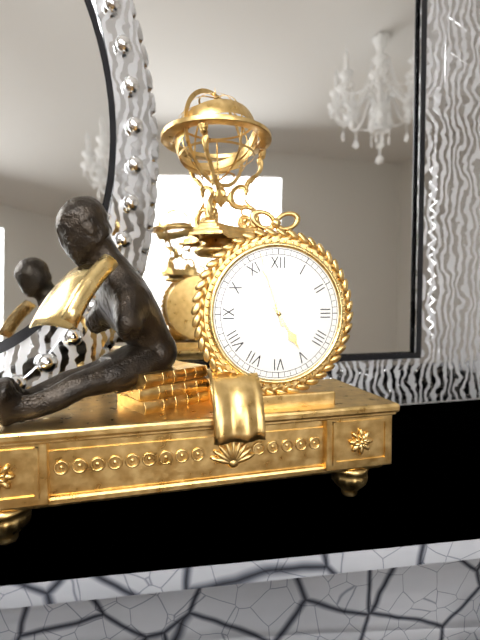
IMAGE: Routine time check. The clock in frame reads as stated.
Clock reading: 4:57
